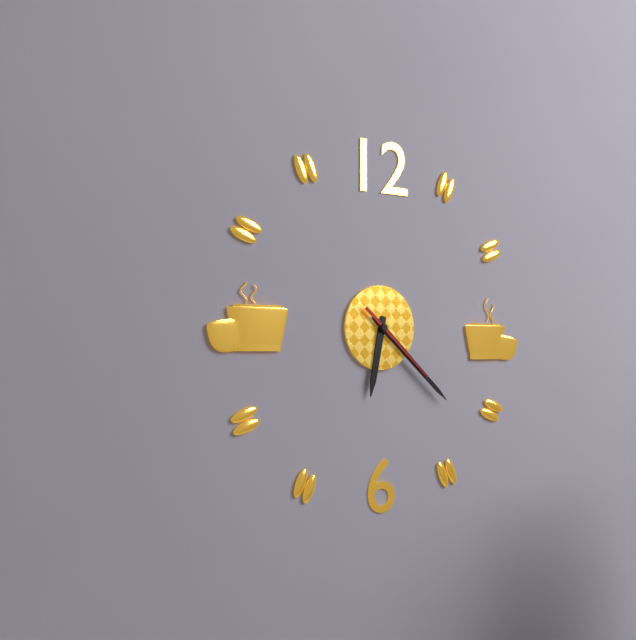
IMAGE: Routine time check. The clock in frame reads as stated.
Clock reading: 6:22:22
